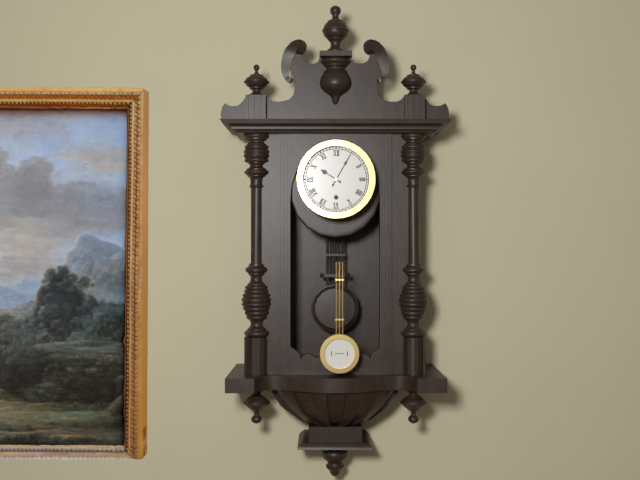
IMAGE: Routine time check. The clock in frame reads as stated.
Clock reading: 10:05
